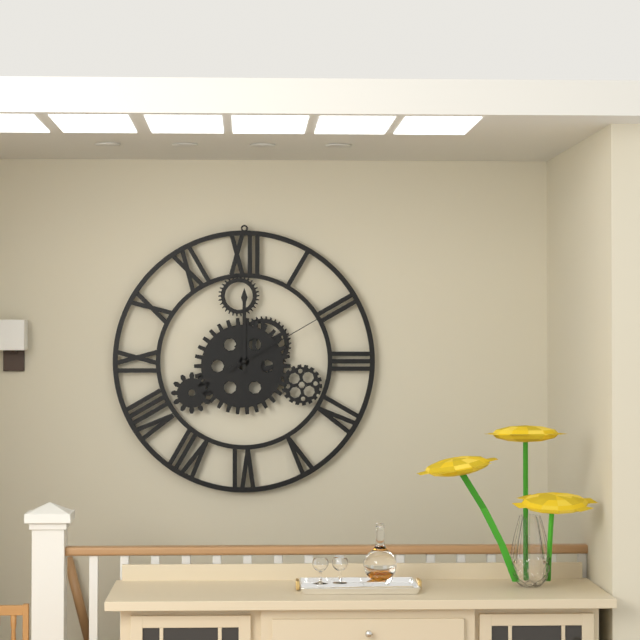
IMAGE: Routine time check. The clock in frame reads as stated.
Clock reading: 2:00:10
